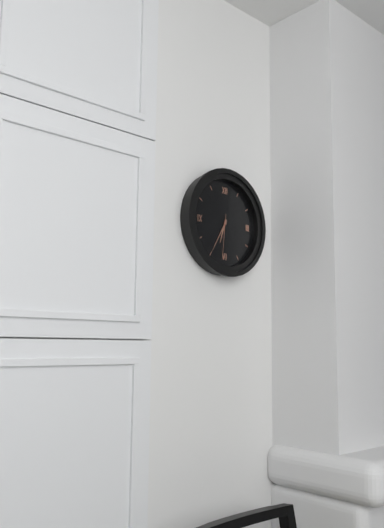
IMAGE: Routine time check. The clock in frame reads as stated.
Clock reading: 6:35
